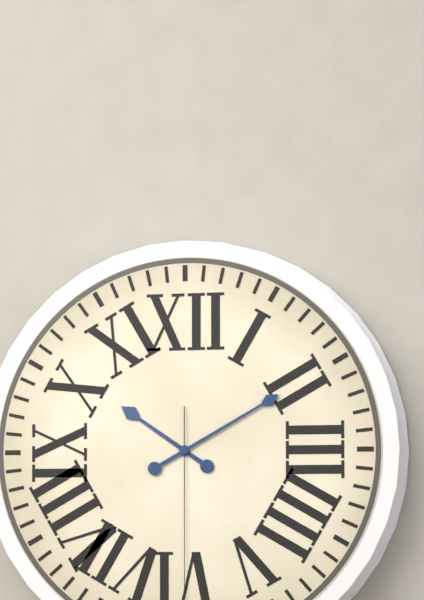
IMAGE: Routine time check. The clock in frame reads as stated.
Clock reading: 10:10
